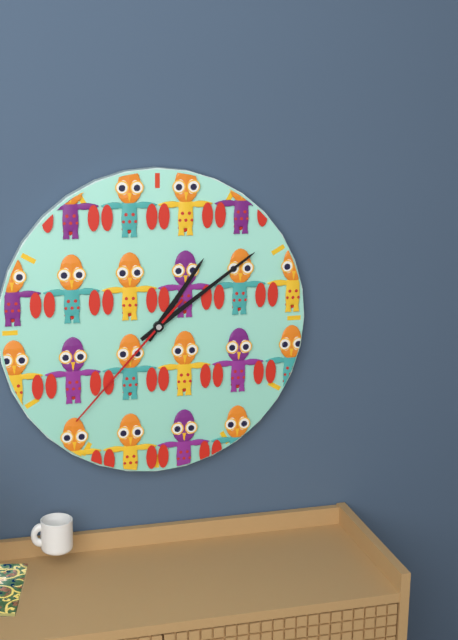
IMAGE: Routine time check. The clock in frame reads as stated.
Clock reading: 1:09:37
